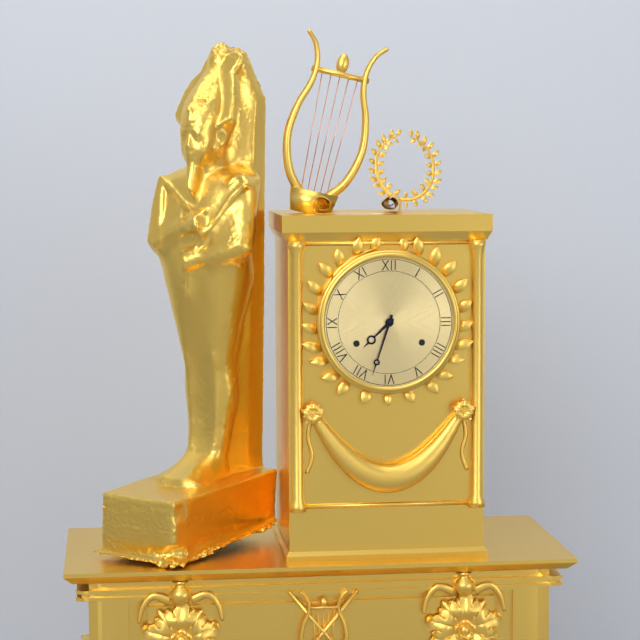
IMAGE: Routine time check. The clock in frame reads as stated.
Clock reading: 7:33
